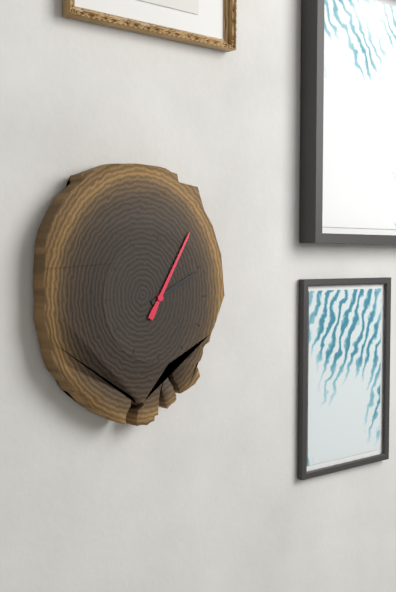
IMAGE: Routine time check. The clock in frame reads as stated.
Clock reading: 2:05
